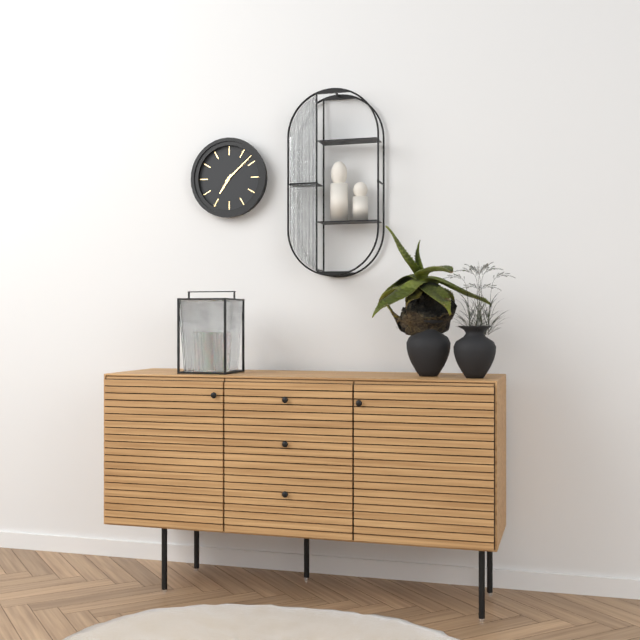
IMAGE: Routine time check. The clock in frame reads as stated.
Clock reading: 7:08
